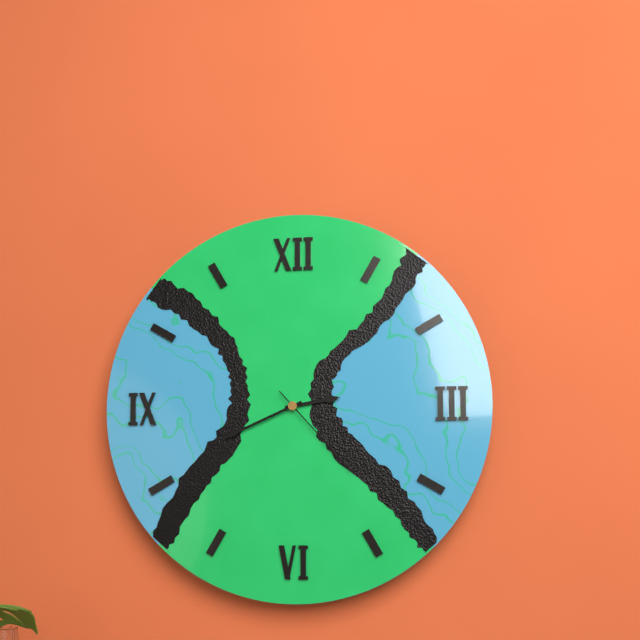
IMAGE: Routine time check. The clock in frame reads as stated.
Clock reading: 2:41:23
